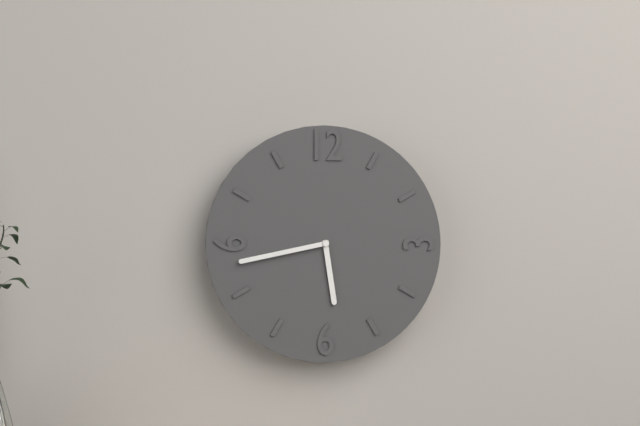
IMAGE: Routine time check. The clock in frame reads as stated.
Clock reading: 5:43
